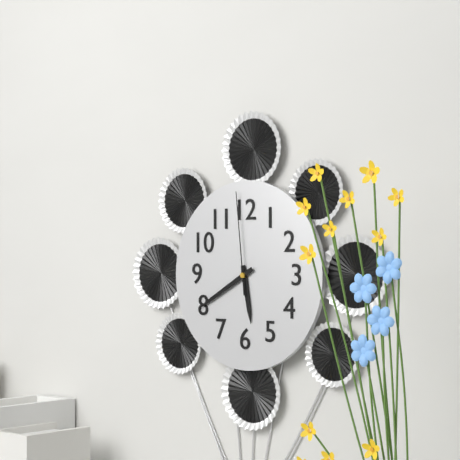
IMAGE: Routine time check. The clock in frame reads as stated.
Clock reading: 5:40:59
